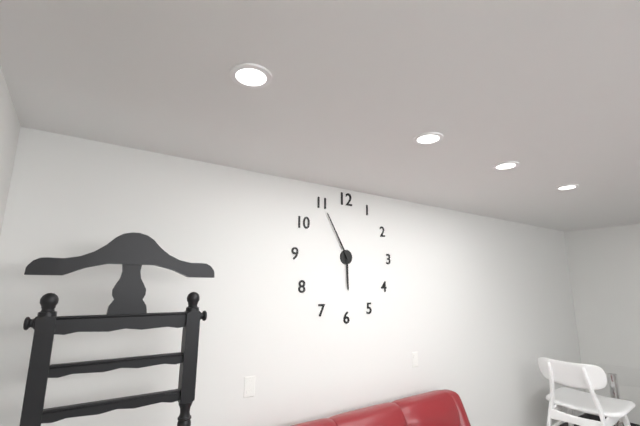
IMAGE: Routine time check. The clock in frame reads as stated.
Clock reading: 5:55
